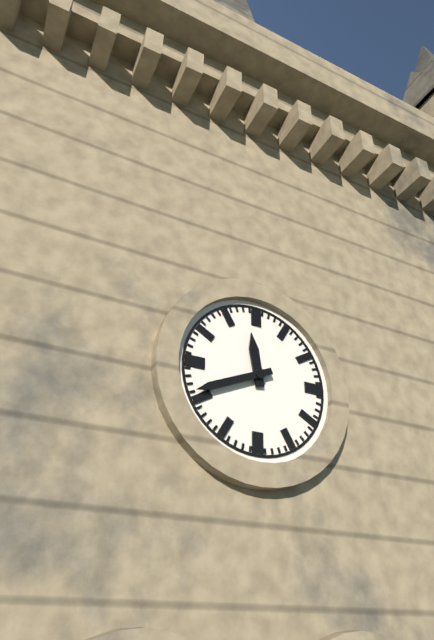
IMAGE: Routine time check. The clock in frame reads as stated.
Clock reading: 11:41
